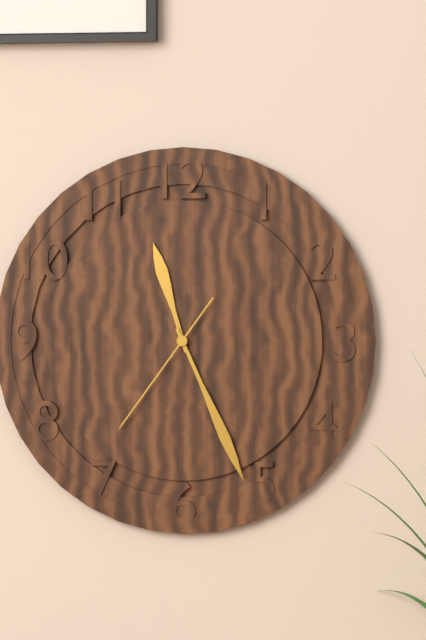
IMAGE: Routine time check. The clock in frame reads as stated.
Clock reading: 11:26:36
